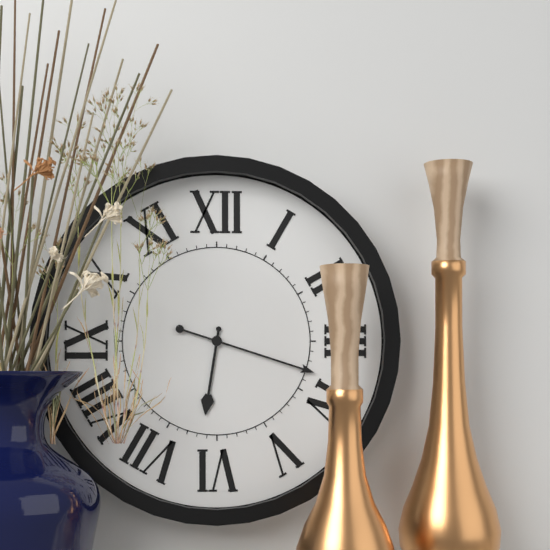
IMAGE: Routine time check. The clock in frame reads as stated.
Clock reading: 6:18
